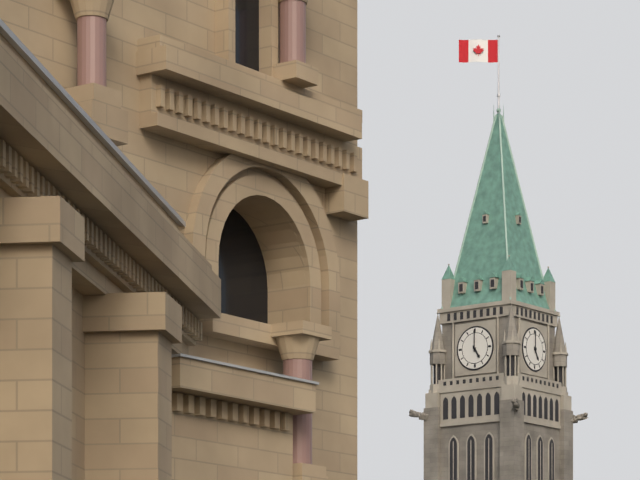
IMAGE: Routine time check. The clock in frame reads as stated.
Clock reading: 5:00
